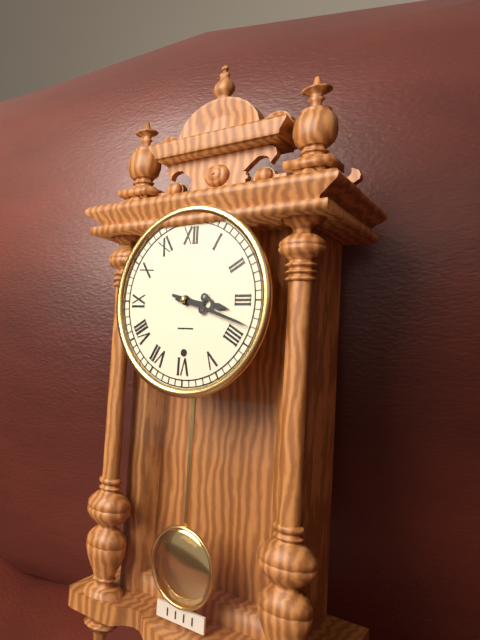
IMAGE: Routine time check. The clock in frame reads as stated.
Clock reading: 3:18
